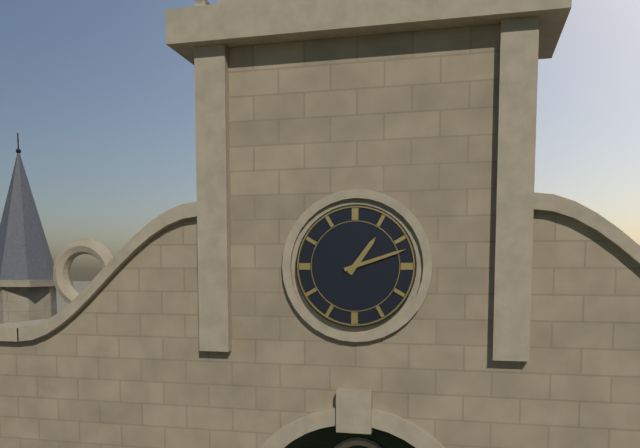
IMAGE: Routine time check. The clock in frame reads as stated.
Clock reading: 1:12
